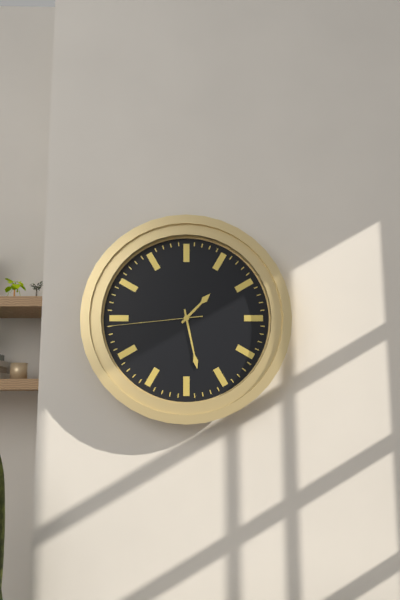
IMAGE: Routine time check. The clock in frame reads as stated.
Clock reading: 1:28:44
